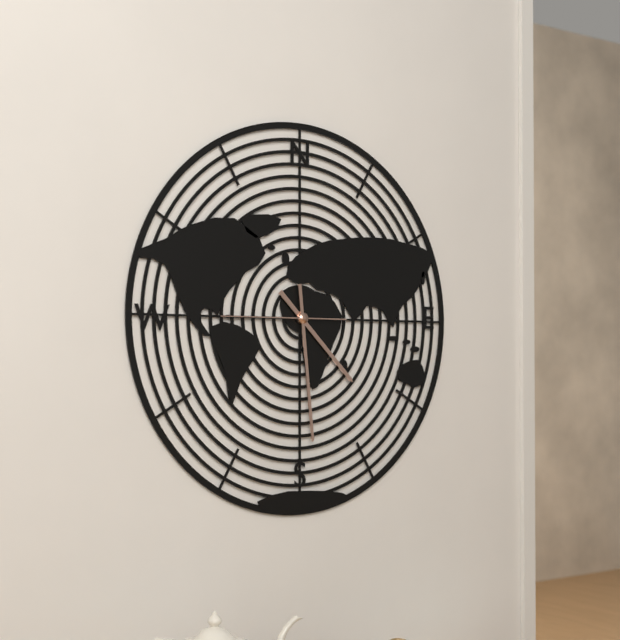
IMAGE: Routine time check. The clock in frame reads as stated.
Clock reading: 4:29:45
